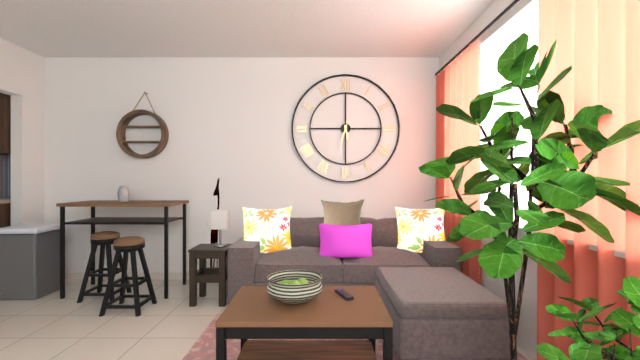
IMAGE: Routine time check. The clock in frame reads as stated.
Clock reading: 5:33
